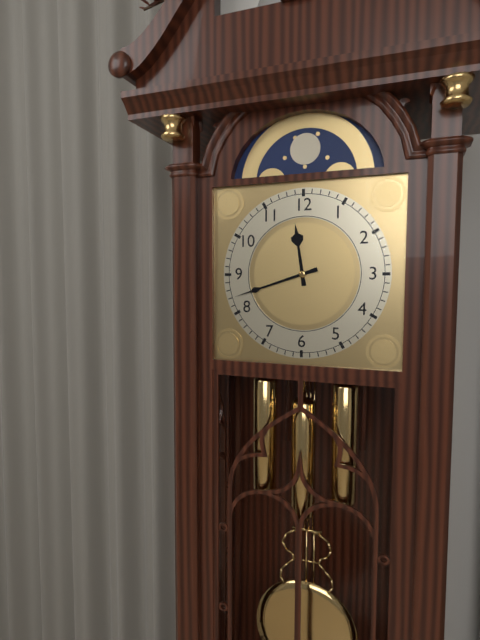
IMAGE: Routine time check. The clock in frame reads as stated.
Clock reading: 11:42
